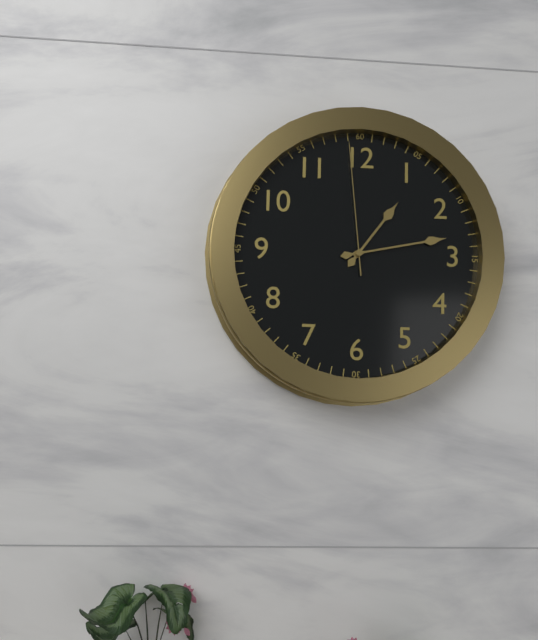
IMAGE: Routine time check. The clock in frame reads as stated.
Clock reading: 1:13:59
